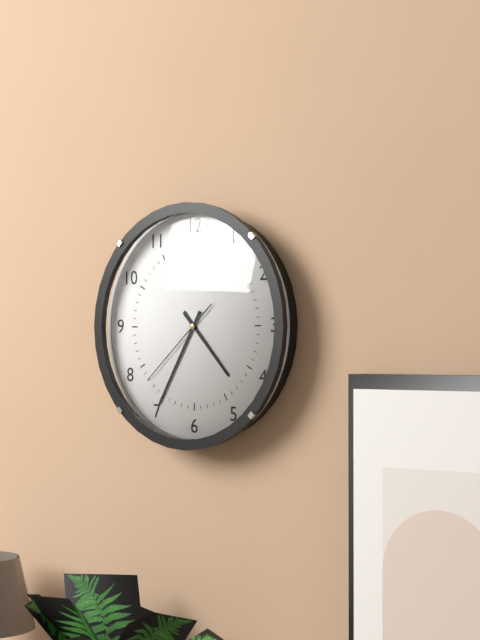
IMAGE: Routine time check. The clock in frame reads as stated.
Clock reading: 4:35:38
